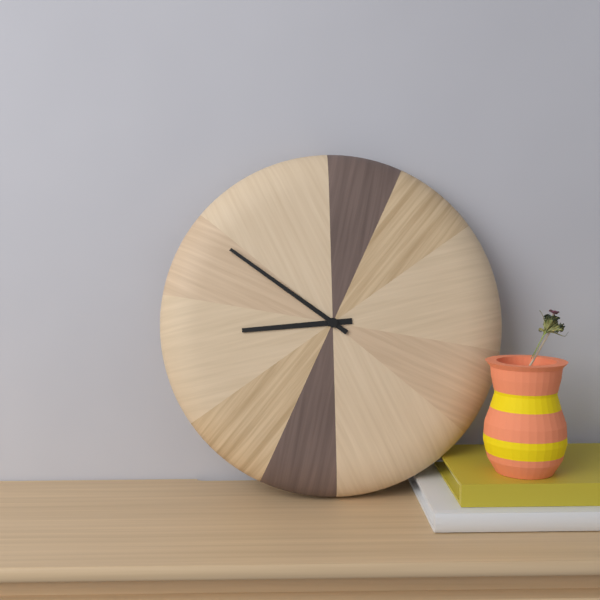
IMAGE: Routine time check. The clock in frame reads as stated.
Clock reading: 8:51
